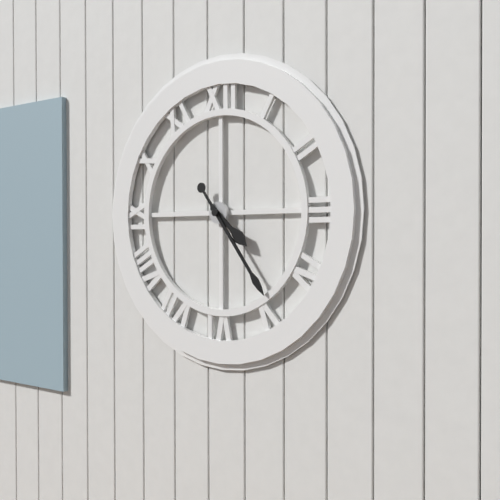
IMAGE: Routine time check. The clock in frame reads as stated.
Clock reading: 4:24
